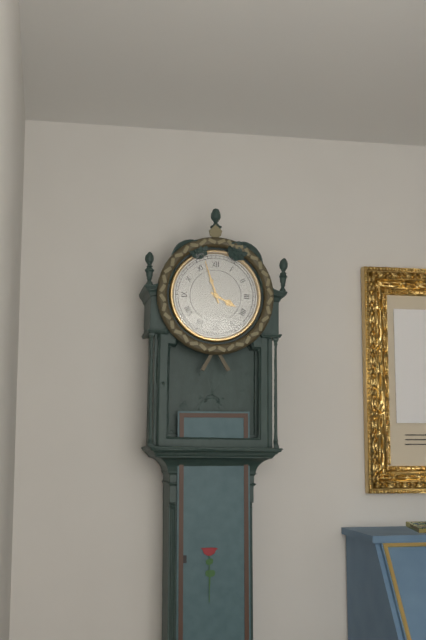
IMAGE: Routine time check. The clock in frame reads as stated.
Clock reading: 3:57
